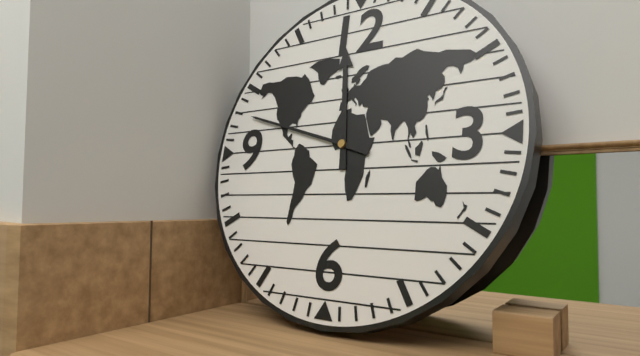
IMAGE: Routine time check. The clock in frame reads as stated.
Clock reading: 11:48
